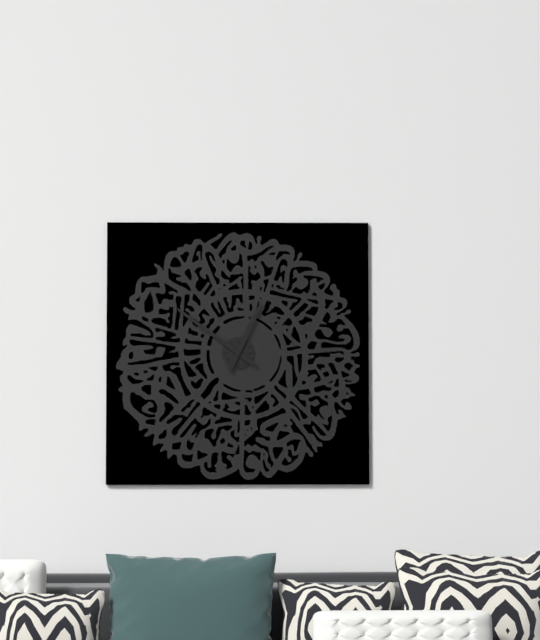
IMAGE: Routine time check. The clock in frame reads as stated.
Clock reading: 12:51
